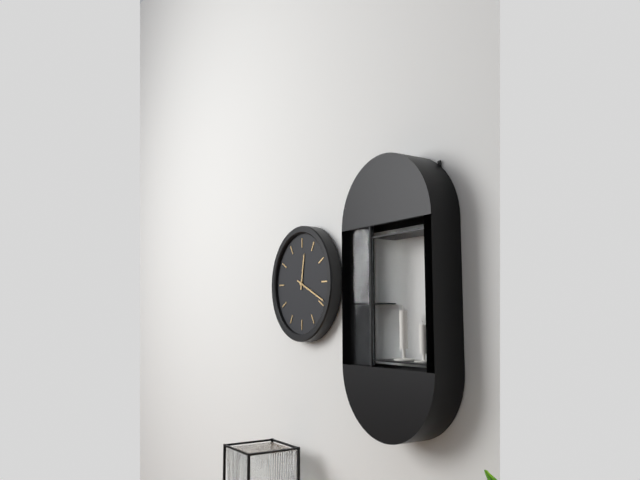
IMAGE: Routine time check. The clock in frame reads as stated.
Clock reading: 12:19
